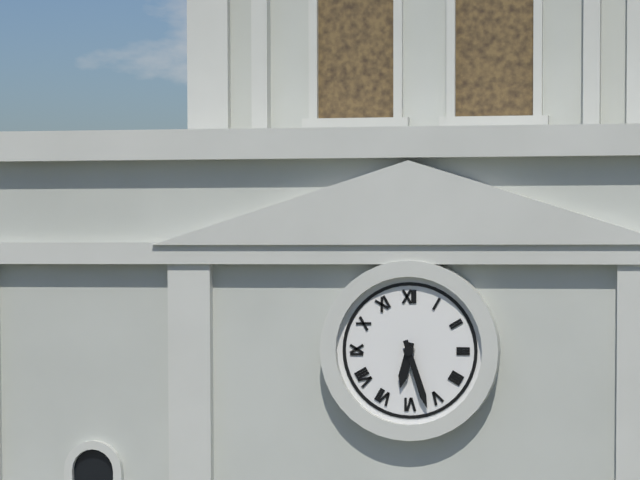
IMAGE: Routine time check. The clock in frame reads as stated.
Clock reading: 6:27
